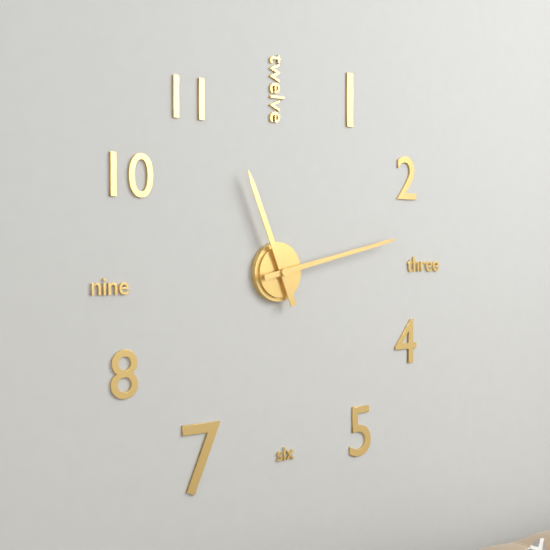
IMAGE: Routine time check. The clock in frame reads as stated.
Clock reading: 11:13
